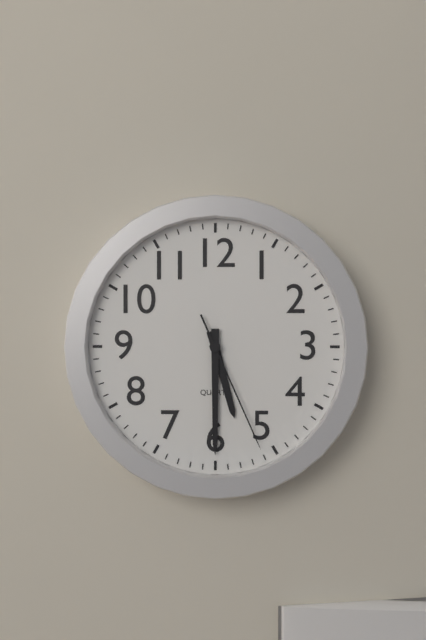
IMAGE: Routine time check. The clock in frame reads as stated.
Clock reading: 5:30:26
